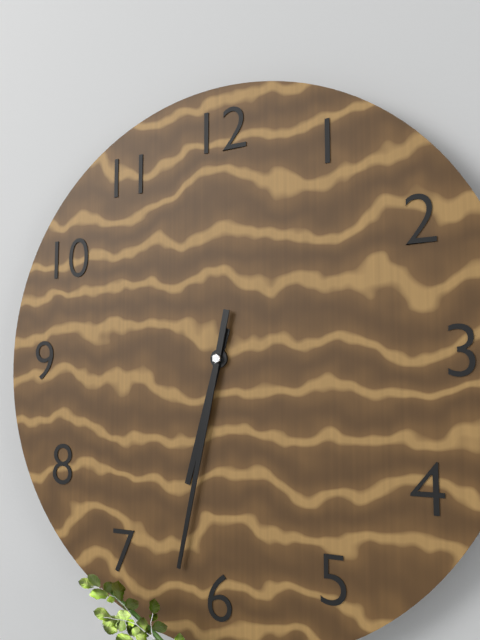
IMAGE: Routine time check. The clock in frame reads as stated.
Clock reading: 6:32
